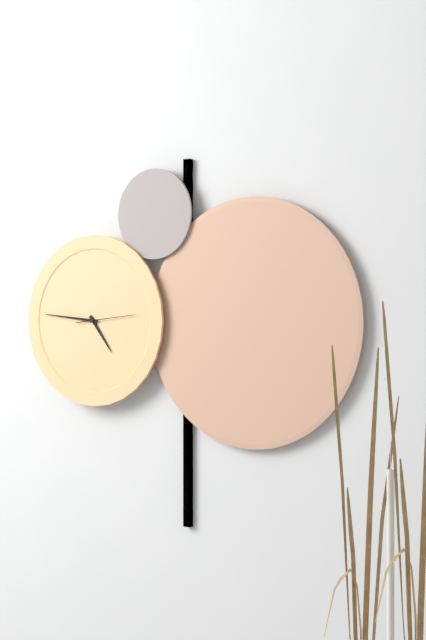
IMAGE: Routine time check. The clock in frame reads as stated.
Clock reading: 4:46:14
